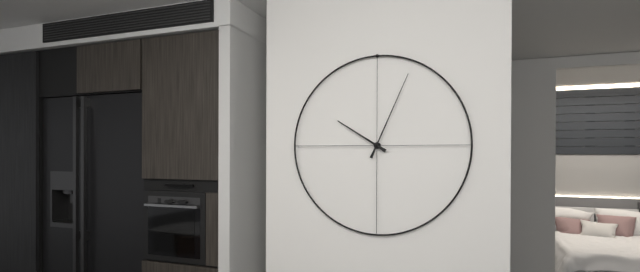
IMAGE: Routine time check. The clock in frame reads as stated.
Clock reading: 10:04
